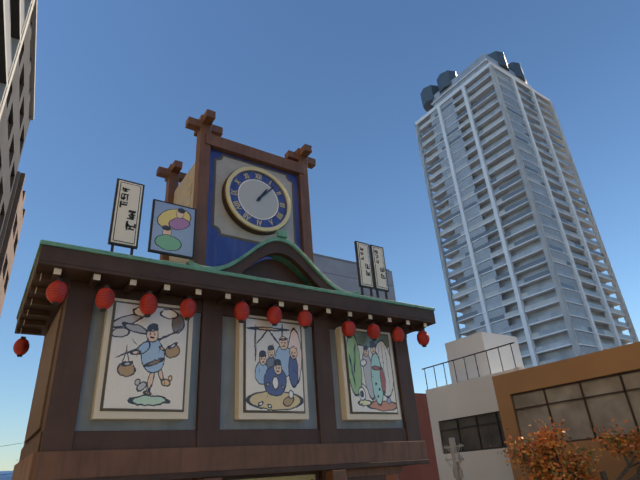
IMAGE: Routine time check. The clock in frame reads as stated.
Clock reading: 1:07
